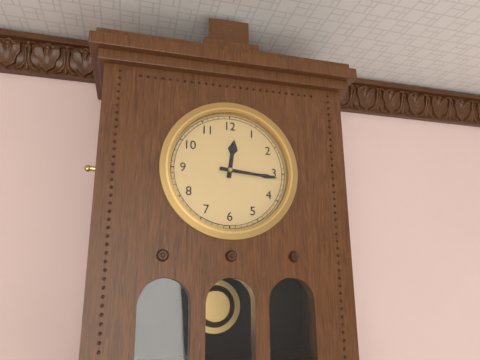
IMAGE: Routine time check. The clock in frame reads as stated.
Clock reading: 12:16
